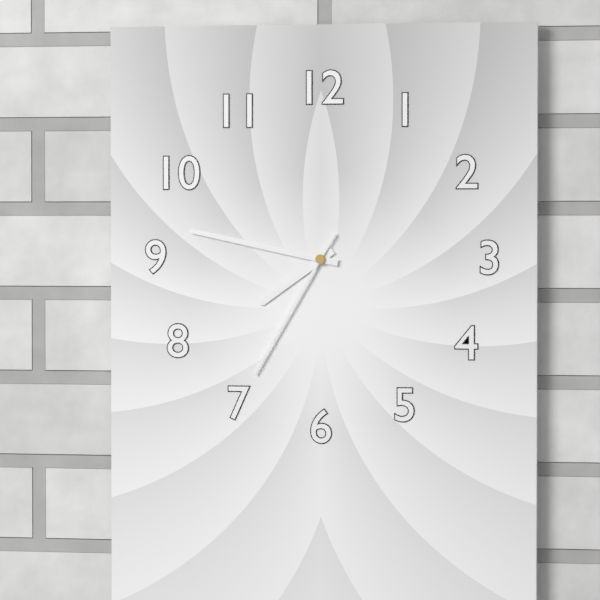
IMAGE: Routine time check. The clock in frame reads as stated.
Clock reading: 7:47:35
